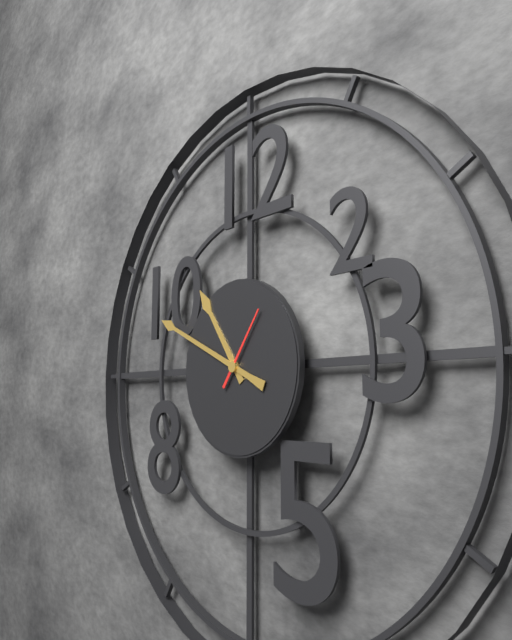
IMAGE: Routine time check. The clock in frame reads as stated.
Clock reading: 10:49:06
